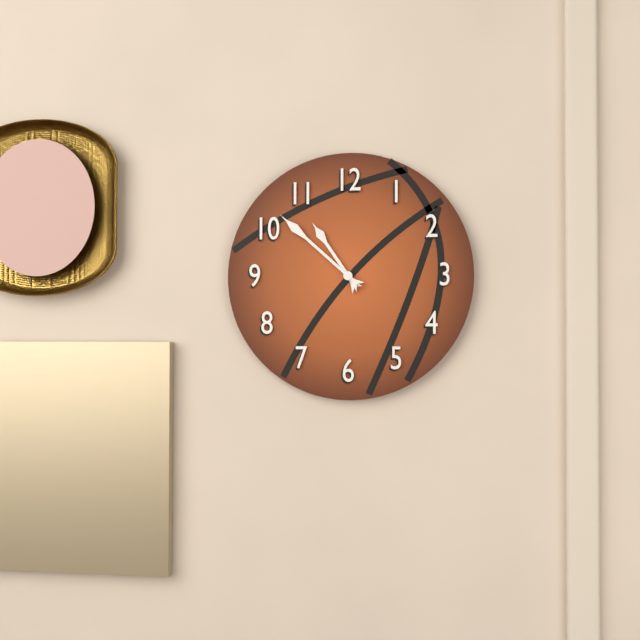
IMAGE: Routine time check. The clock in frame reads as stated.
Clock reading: 10:52
